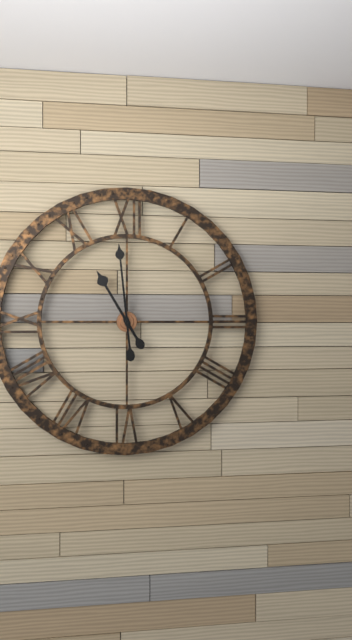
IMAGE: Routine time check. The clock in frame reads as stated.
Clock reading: 10:59
